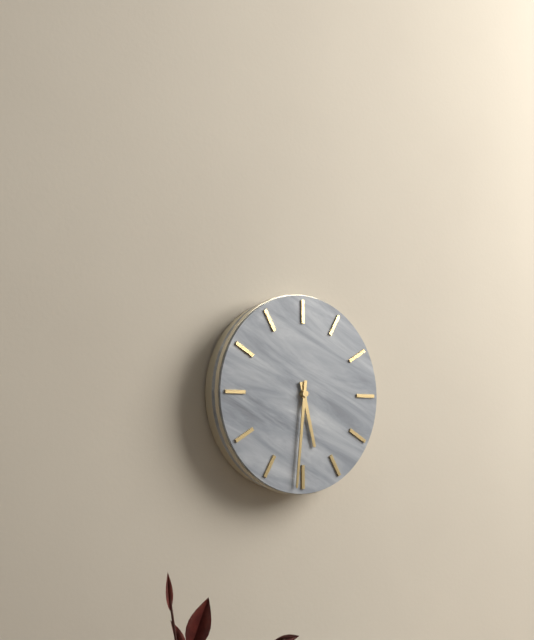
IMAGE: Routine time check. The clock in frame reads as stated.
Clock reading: 5:31
